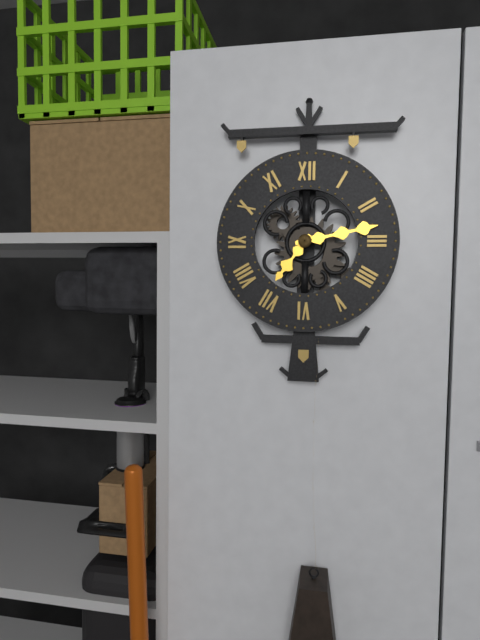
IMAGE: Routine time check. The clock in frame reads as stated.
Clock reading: 7:13
